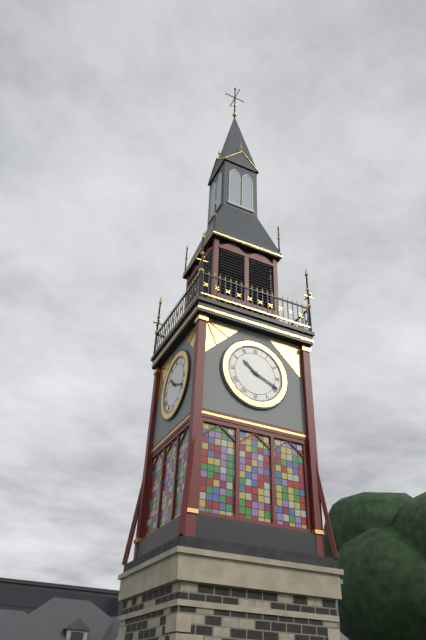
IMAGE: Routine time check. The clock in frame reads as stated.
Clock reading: 10:19
